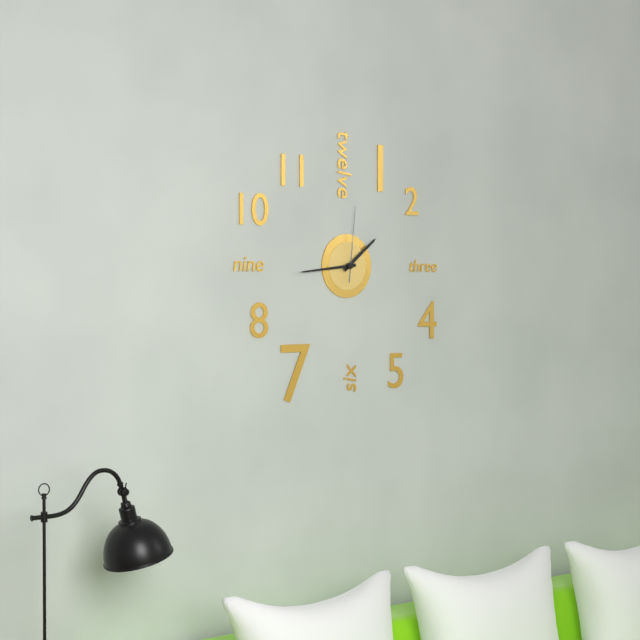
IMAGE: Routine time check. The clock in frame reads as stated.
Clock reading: 1:44:01
